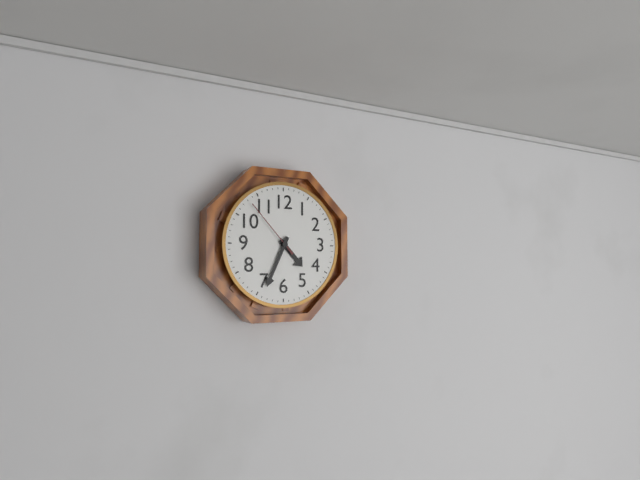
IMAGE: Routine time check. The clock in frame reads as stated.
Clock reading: 4:34:53
